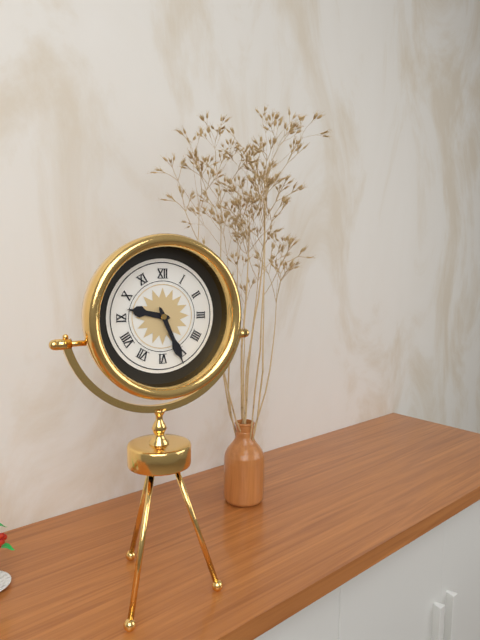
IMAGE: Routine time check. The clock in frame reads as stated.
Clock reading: 9:26
